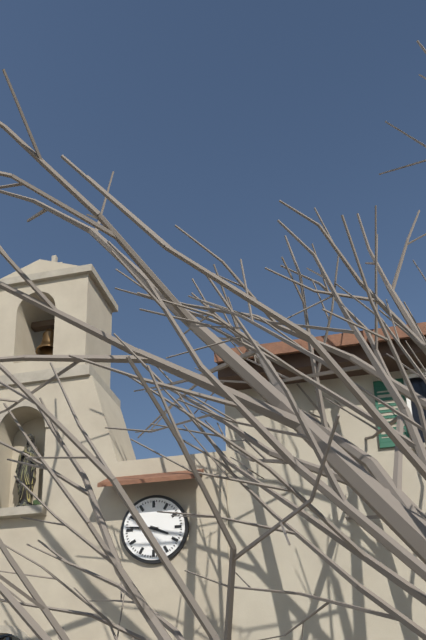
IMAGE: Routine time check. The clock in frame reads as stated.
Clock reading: 3:46
